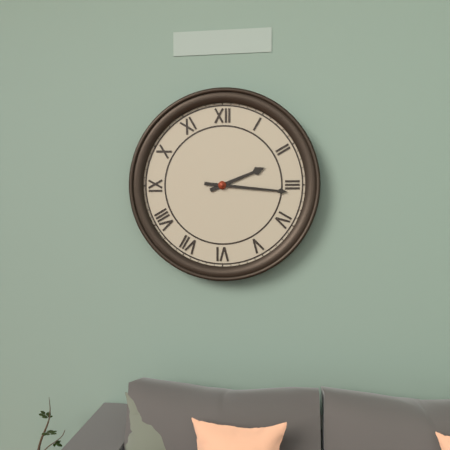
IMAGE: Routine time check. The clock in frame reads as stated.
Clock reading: 2:16
